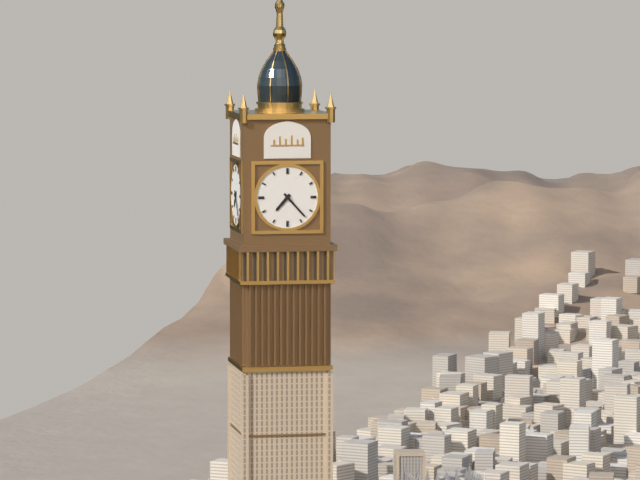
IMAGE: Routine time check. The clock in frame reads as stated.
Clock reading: 7:23
